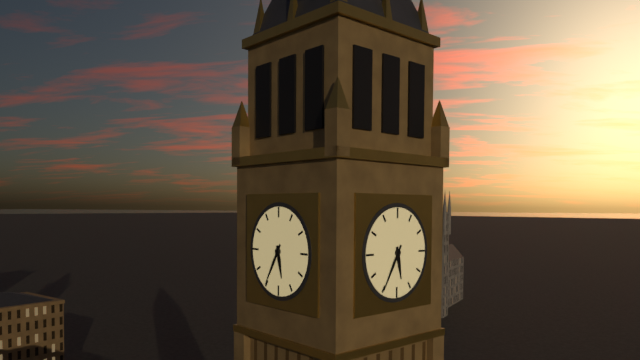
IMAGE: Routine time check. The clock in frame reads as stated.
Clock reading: 5:35
